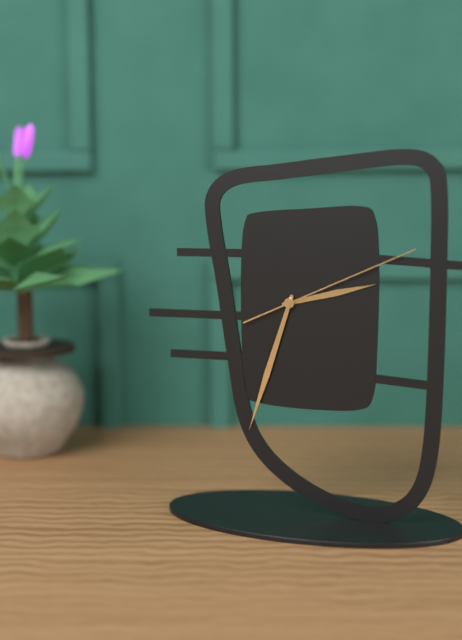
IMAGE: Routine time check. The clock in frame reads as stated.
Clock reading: 2:33:11
